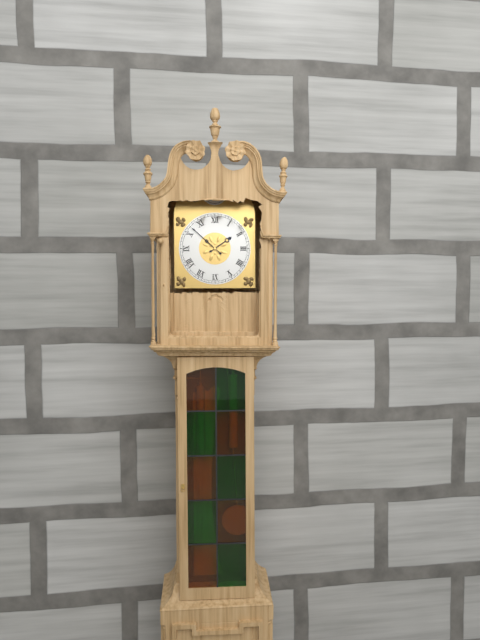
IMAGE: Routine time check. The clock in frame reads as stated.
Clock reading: 1:52
